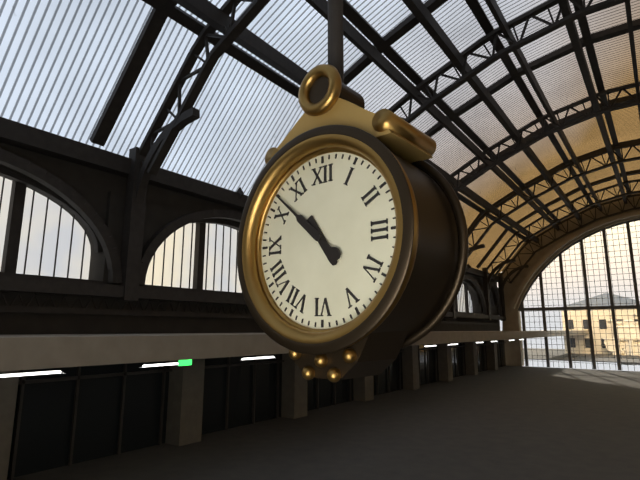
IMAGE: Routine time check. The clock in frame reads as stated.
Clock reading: 4:52
